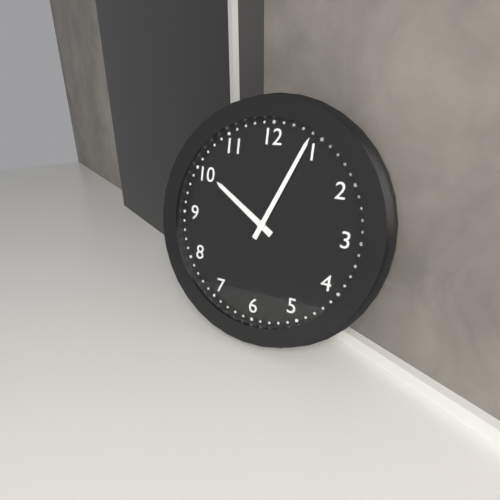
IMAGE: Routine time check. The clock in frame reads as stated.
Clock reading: 10:04
